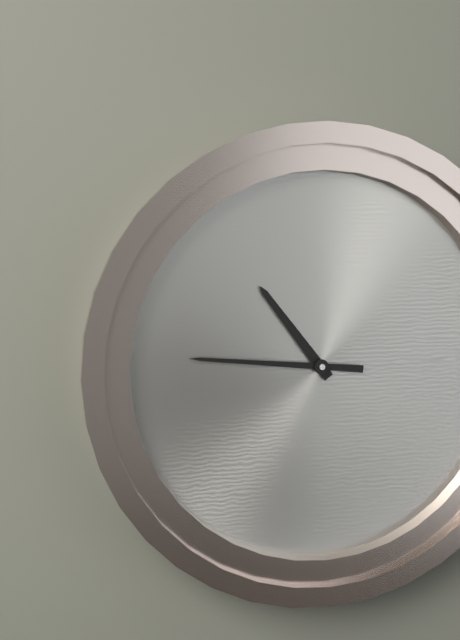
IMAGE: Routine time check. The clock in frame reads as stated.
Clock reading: 10:46
